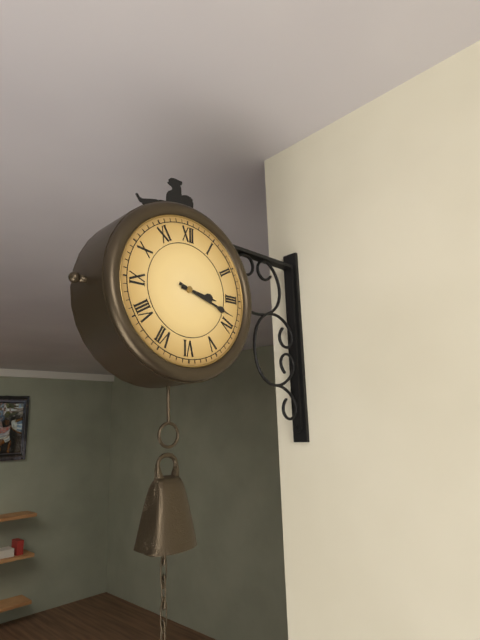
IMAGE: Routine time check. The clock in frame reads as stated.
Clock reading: 3:18
